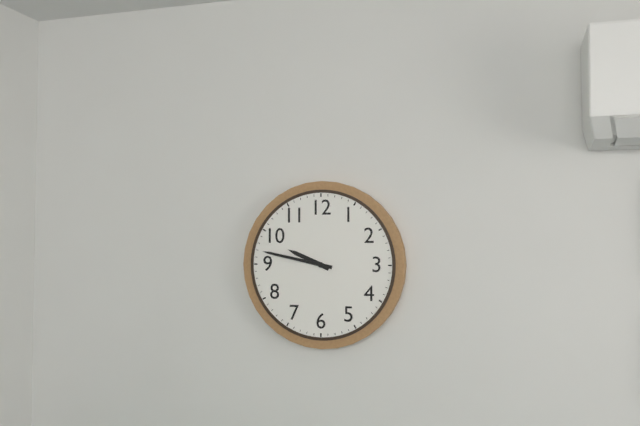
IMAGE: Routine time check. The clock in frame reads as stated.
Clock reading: 9:47
